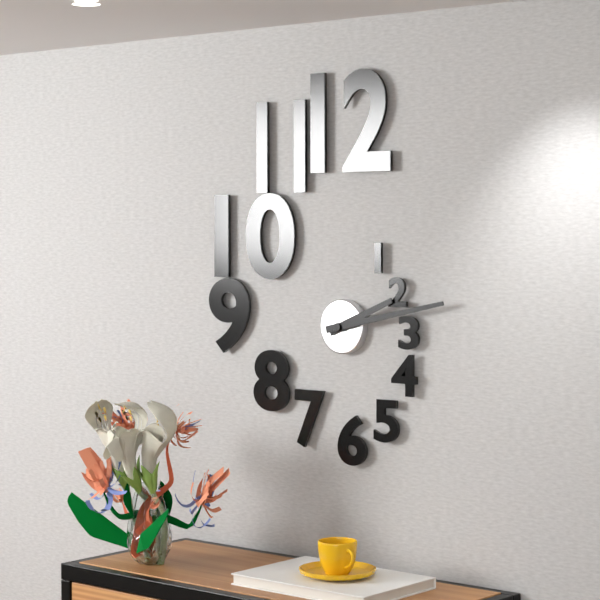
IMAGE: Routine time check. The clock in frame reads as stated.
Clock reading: 2:13
